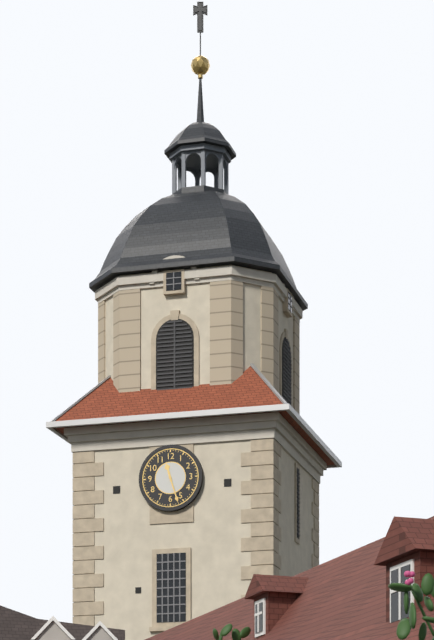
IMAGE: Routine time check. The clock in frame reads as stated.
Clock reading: 11:27
